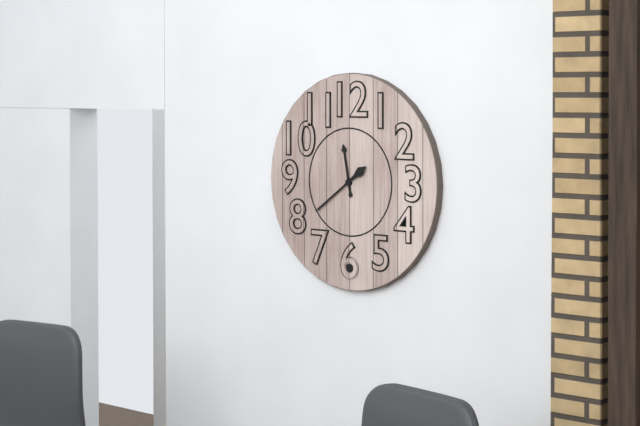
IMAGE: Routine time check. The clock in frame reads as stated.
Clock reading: 11:39
